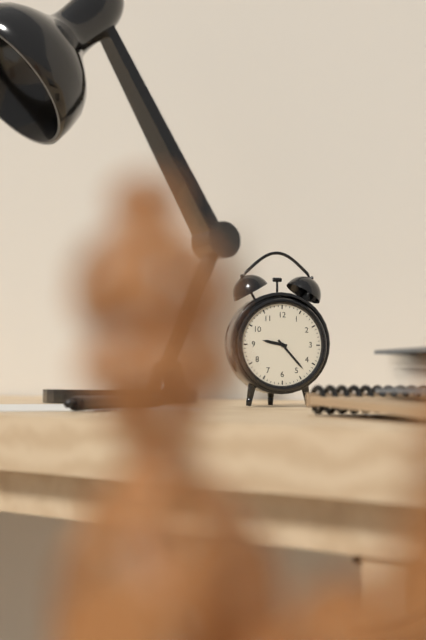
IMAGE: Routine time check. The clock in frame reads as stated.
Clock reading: 9:23
